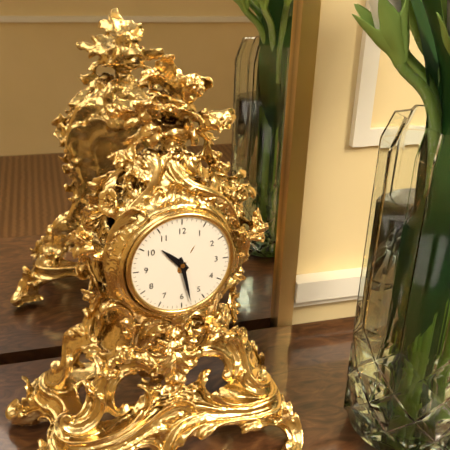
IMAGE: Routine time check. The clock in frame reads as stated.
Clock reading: 10:28
